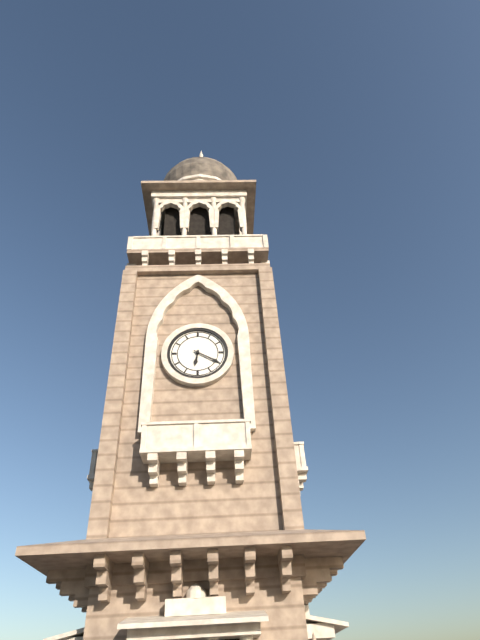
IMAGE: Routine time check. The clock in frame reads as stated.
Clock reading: 6:20
